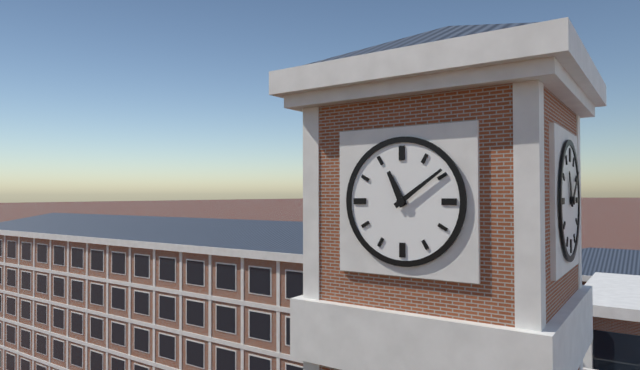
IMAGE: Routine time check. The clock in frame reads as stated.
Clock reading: 11:09
